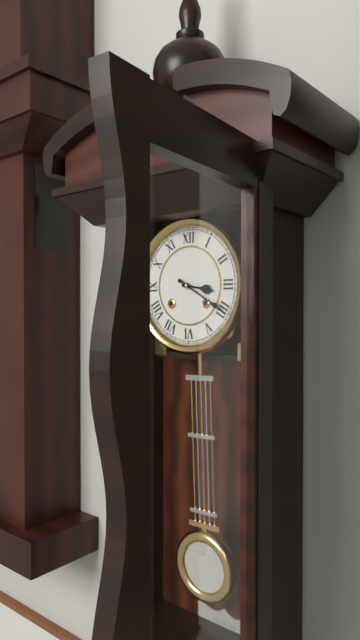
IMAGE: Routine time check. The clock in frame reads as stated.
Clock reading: 3:20
